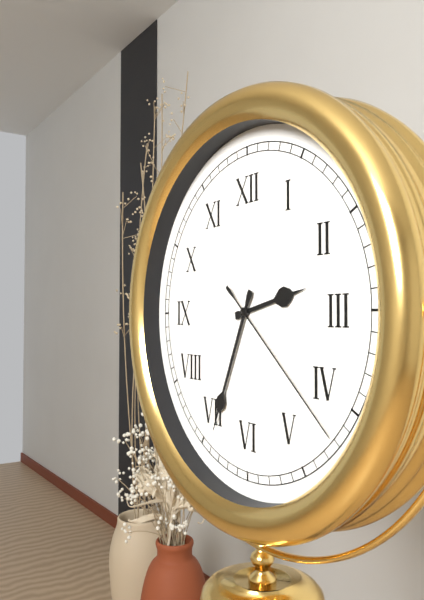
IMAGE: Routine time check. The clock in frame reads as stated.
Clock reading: 2:34:22
